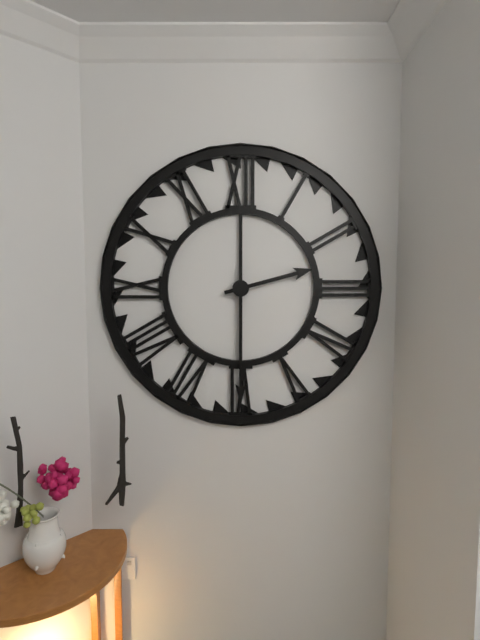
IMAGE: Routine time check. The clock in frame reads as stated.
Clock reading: 2:30
